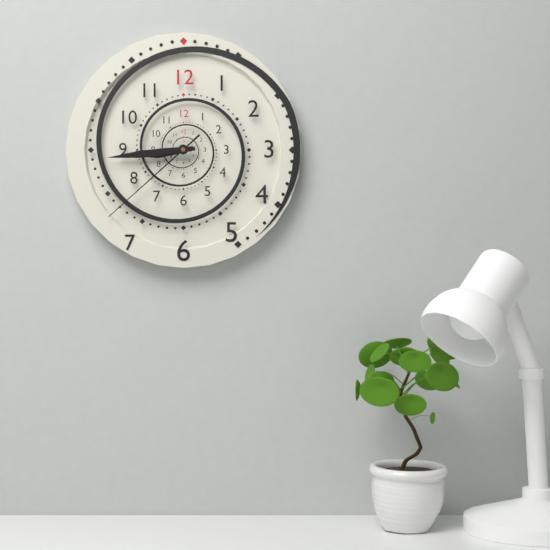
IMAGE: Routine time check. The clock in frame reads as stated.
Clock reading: 8:44:38
